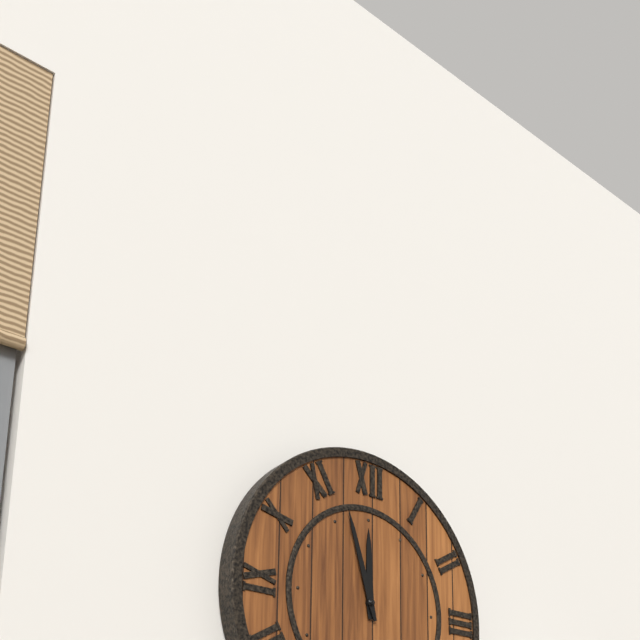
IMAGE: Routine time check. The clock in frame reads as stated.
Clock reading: 11:57
